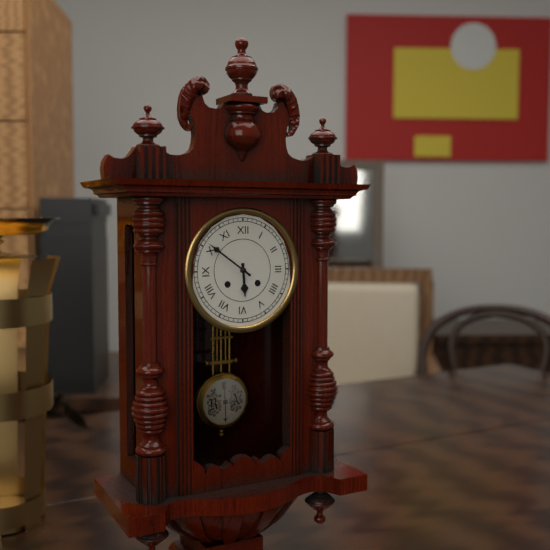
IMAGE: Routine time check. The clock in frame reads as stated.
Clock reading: 5:51
